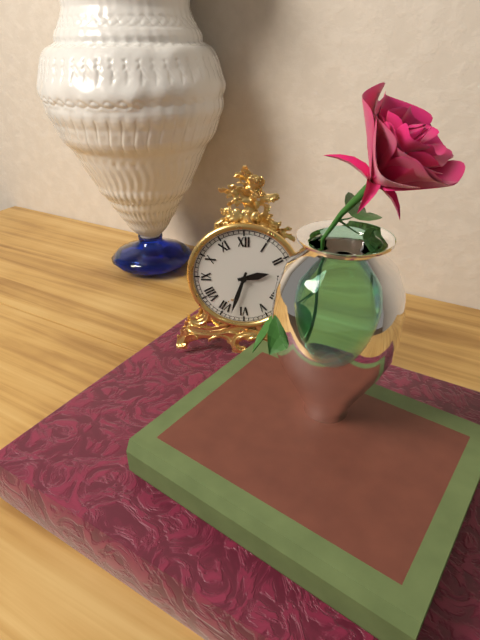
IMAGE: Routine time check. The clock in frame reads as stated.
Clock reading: 2:33
